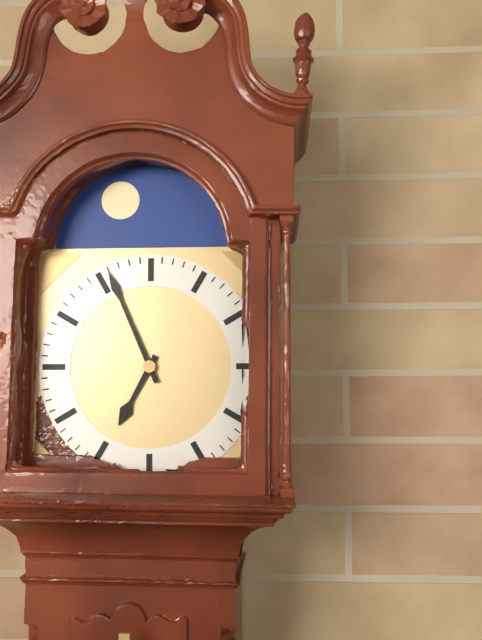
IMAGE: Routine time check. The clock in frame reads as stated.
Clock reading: 6:56
